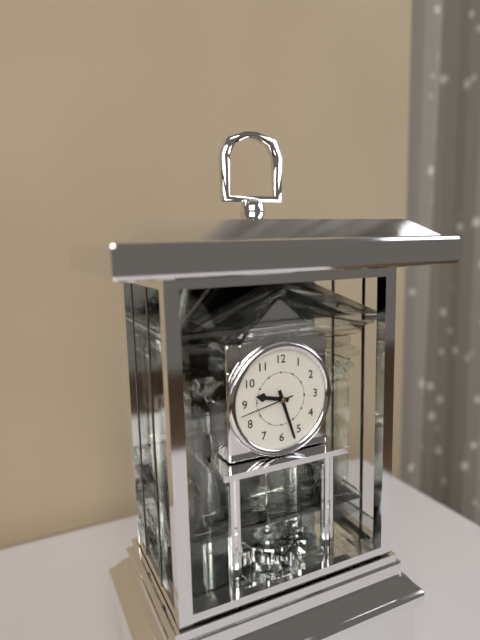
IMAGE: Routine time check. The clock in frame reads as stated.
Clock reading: 9:27:43
